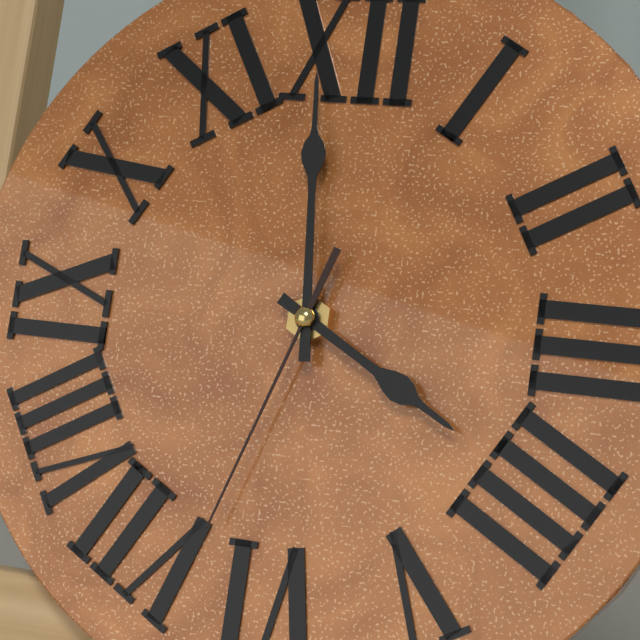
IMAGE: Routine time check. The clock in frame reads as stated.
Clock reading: 3:59:33
